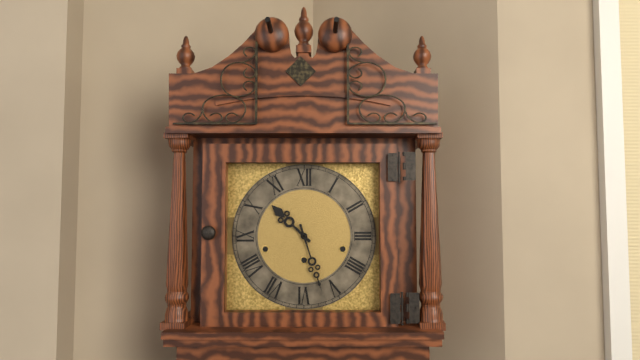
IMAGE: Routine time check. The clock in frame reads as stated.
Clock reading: 10:27
